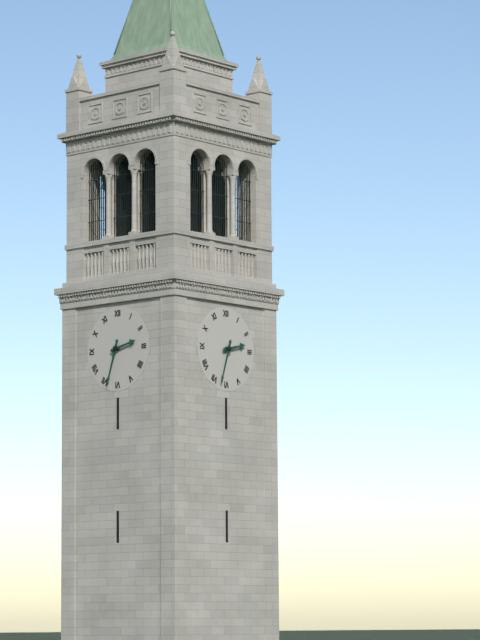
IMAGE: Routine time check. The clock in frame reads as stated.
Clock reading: 2:33
